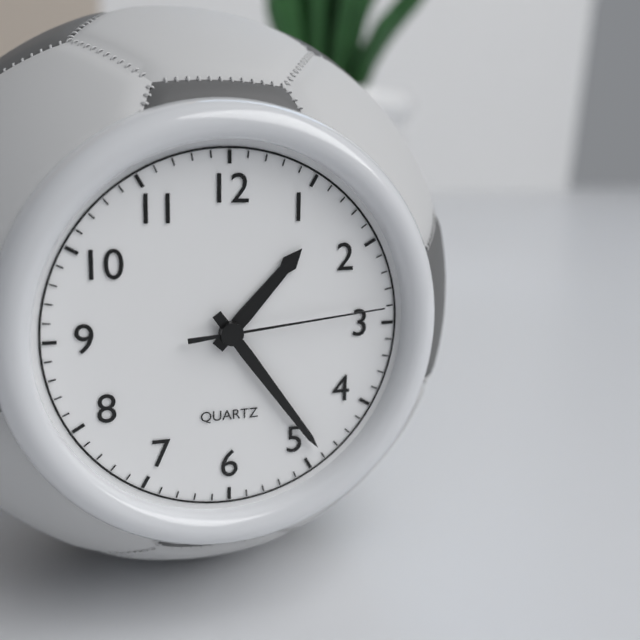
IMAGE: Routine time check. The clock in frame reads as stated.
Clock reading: 1:24:14
